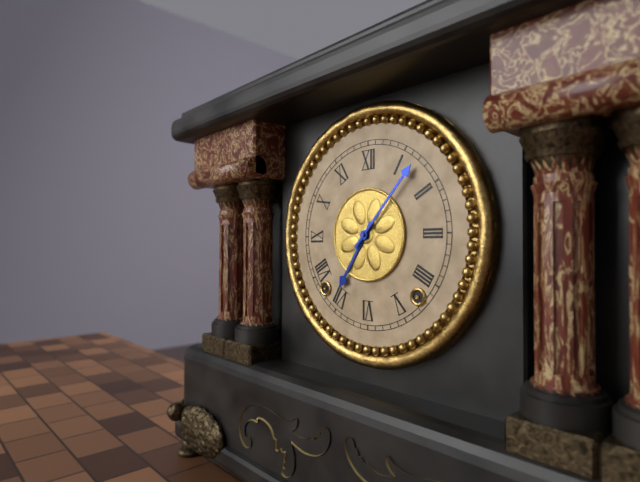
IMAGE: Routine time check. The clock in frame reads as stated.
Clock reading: 7:07
